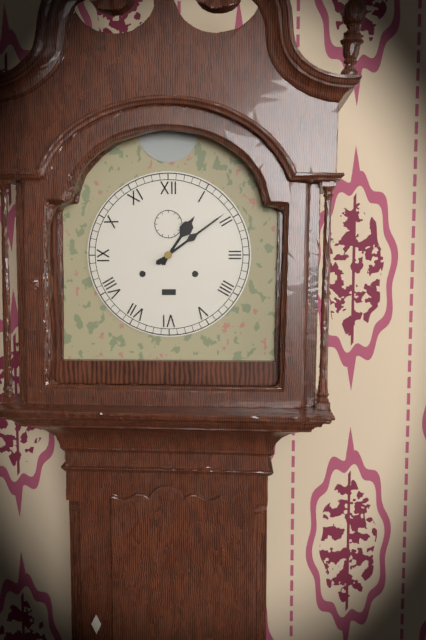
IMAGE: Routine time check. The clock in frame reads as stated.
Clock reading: 1:09
